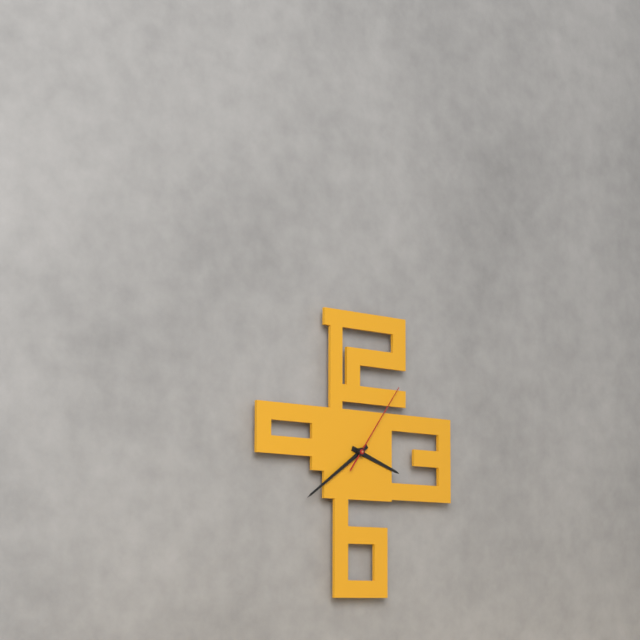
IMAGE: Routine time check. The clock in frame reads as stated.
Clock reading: 3:39:06
